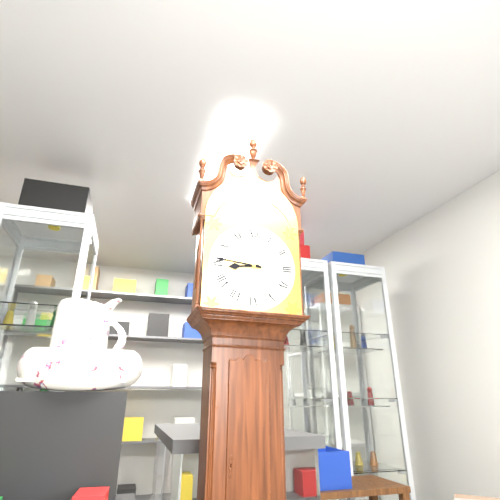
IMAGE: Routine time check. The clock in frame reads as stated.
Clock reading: 8:46
